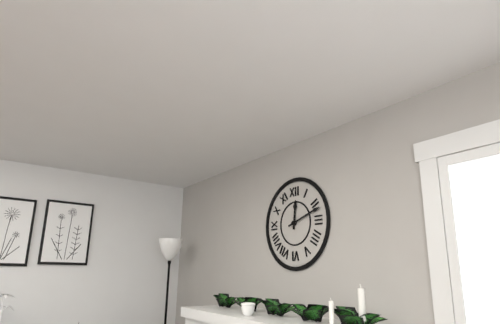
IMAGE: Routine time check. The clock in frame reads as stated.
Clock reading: 12:12
